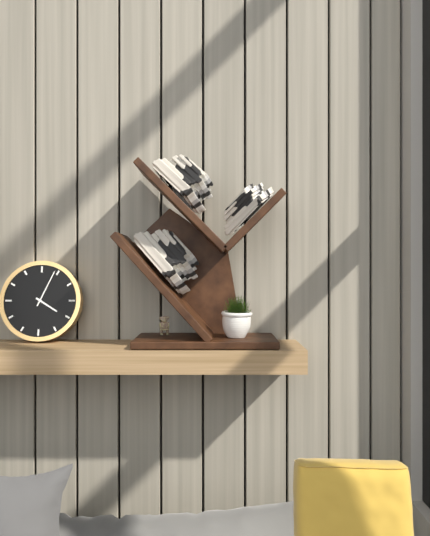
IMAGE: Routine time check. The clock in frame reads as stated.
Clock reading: 4:04
